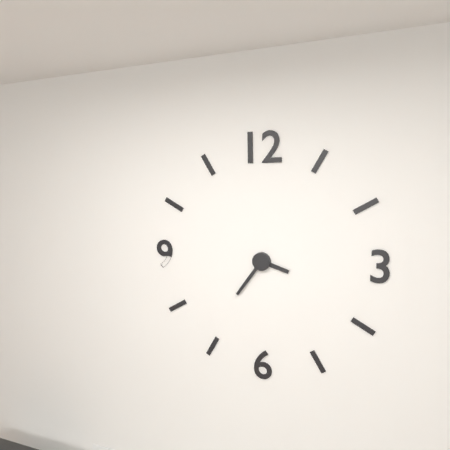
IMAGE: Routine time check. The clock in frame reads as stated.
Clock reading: 3:36
